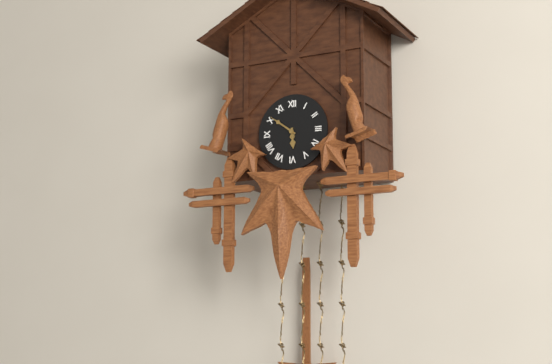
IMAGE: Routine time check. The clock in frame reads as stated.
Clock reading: 5:51
